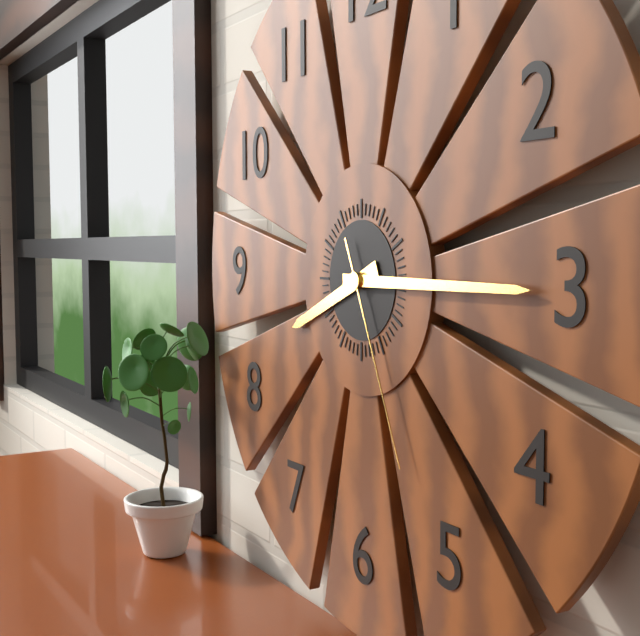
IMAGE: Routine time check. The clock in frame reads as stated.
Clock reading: 8:15:26
